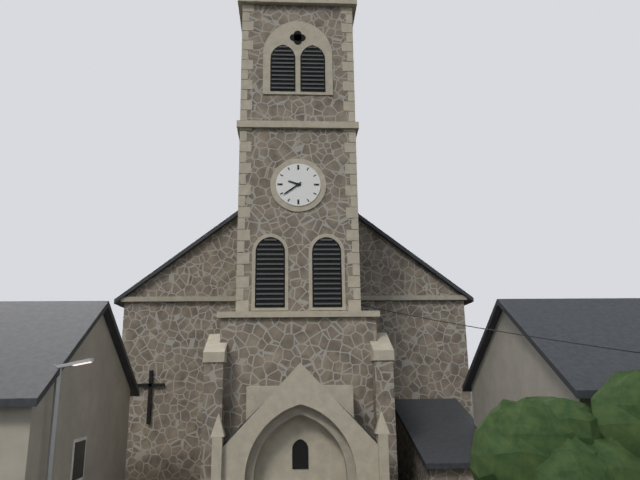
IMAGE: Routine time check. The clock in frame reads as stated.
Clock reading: 9:39
